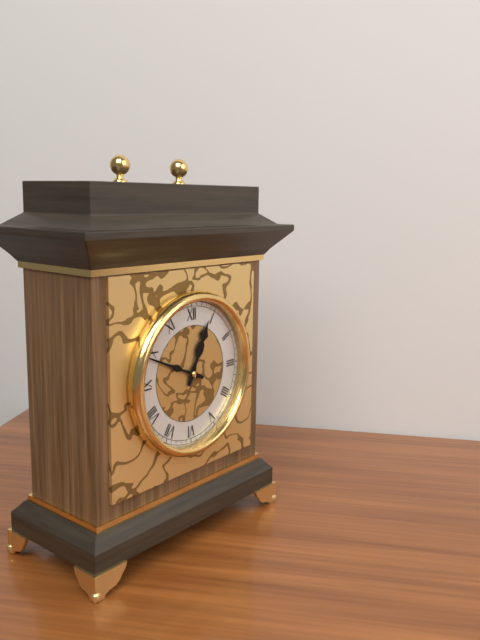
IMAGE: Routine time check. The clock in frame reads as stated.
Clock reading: 12:49
